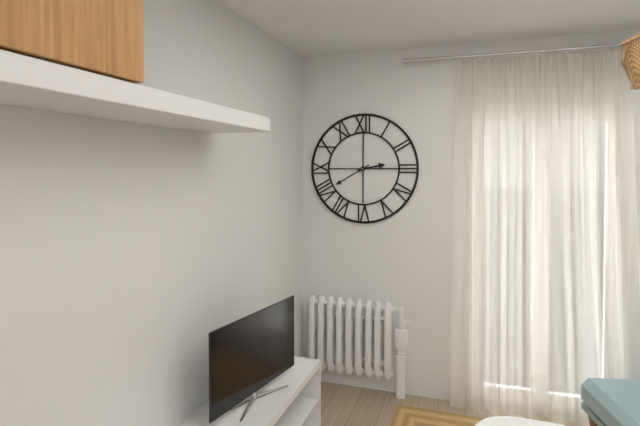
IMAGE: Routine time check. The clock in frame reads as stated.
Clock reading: 2:40
